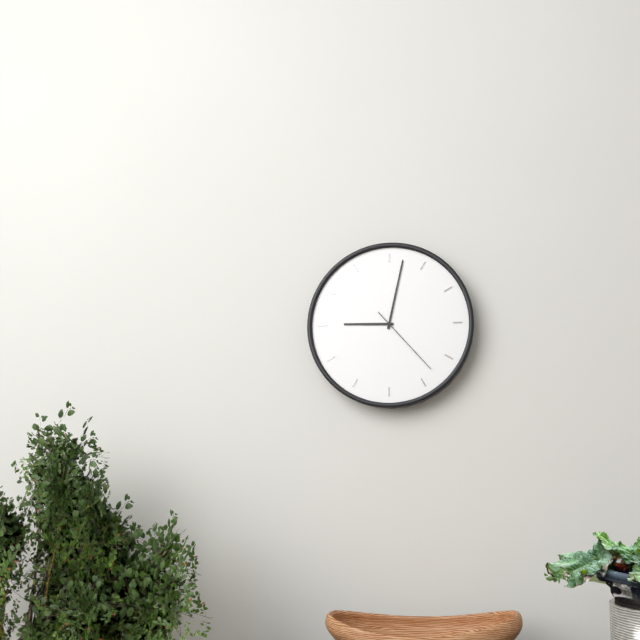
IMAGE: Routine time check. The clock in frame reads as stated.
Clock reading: 9:02:23
